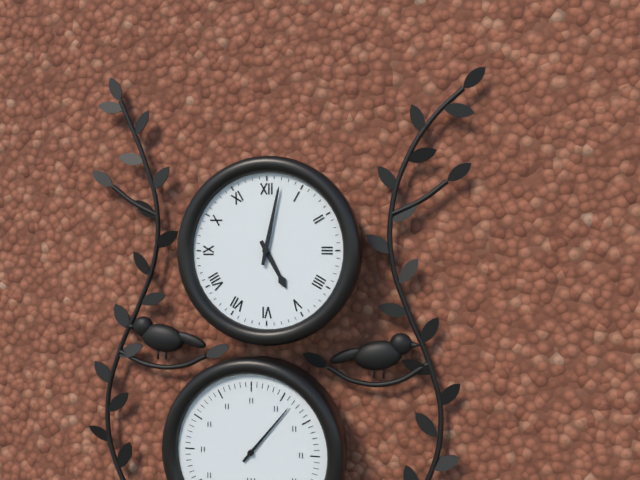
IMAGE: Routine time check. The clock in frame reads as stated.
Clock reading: 5:02
